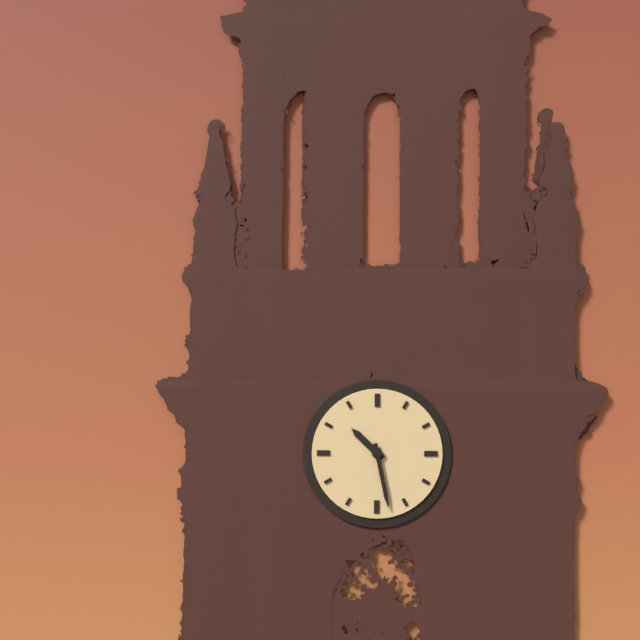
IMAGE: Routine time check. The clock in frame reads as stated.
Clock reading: 10:28
